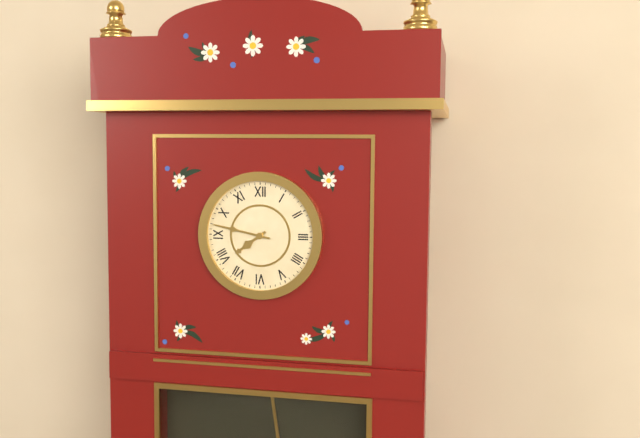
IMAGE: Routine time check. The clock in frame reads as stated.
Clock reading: 7:47
